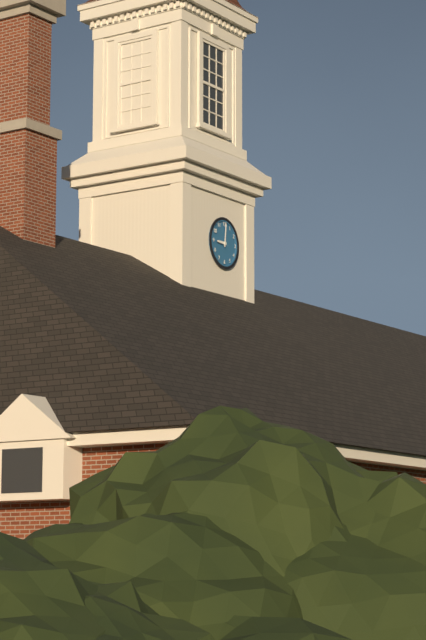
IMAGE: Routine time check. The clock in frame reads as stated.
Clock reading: 9:01
